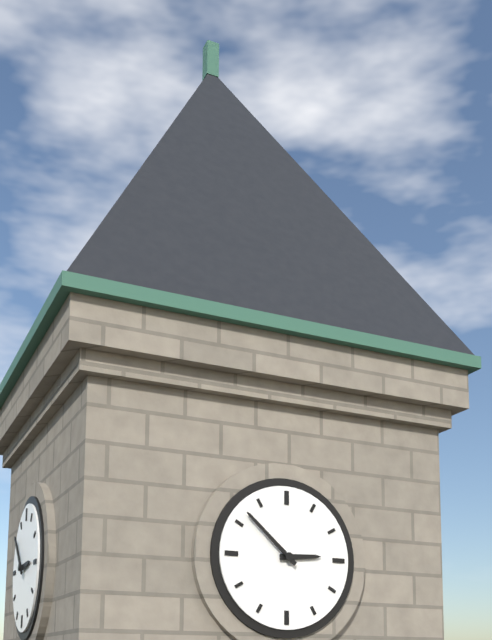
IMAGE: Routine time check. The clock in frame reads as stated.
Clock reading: 2:52
